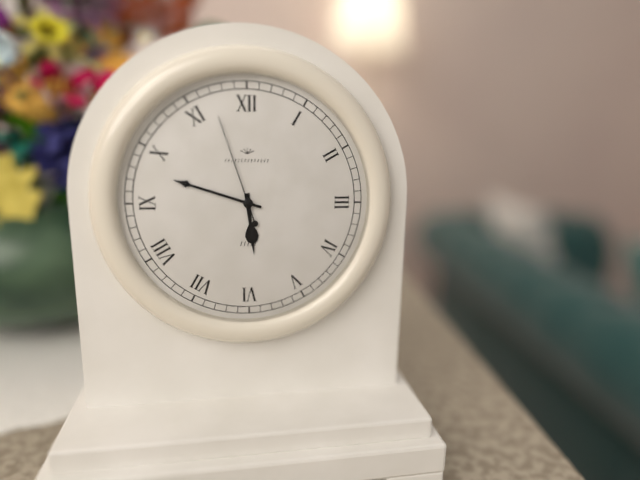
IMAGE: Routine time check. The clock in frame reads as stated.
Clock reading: 5:48:57
